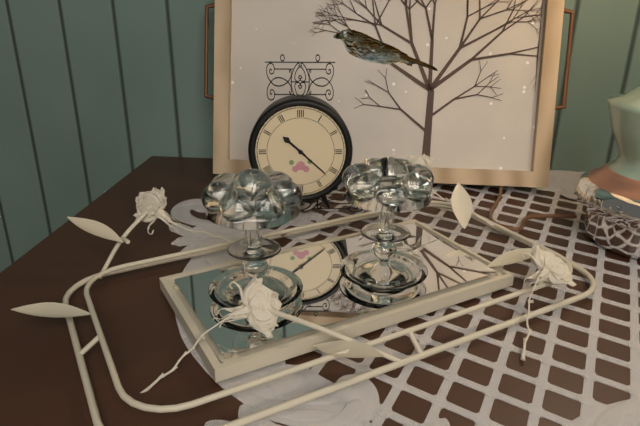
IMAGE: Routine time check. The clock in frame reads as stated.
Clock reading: 10:22
